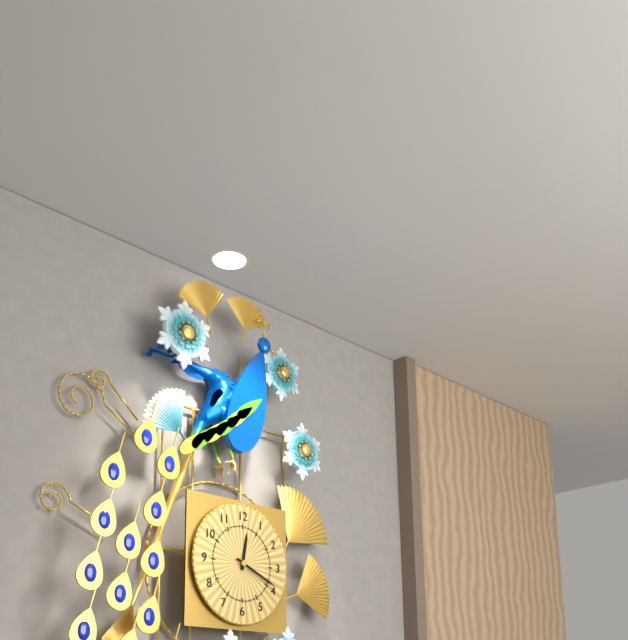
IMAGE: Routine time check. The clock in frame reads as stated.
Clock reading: 12:19
